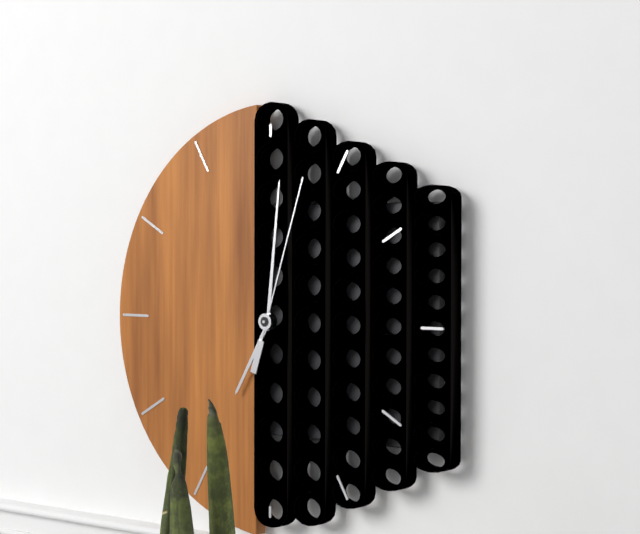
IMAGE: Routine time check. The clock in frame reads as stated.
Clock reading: 7:01:03
